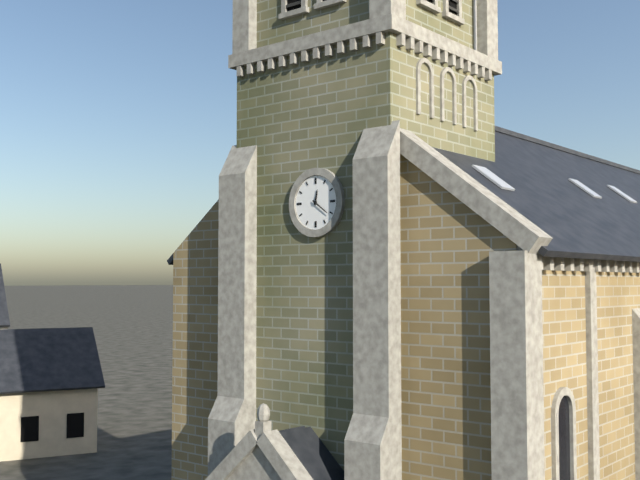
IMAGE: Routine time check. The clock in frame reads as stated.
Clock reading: 12:21
